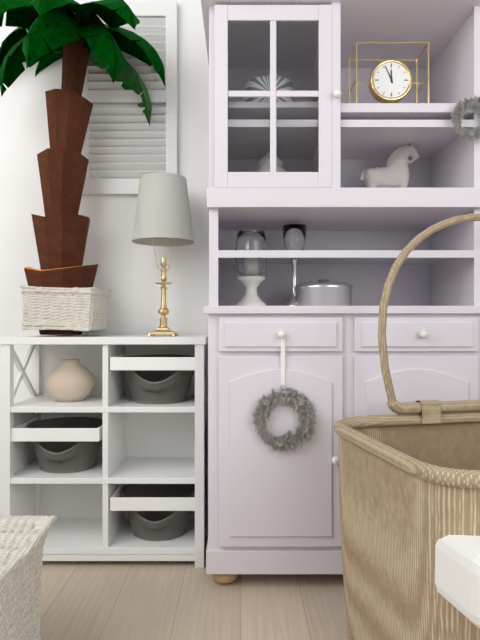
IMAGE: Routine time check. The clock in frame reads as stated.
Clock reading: 11:56
